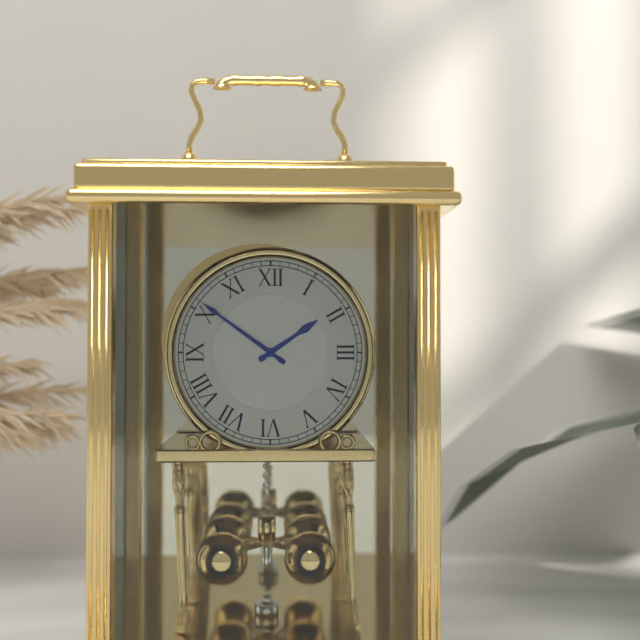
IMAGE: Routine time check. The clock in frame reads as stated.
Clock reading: 1:51
